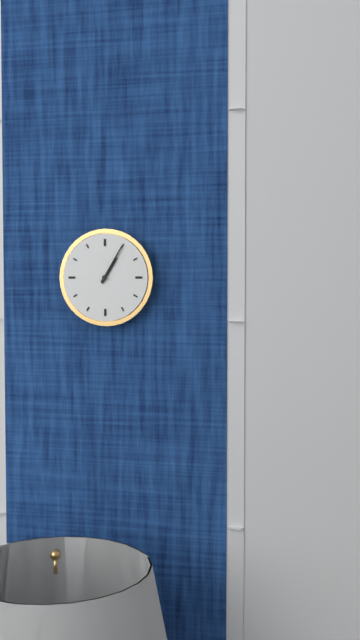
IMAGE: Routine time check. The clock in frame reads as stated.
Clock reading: 1:05
